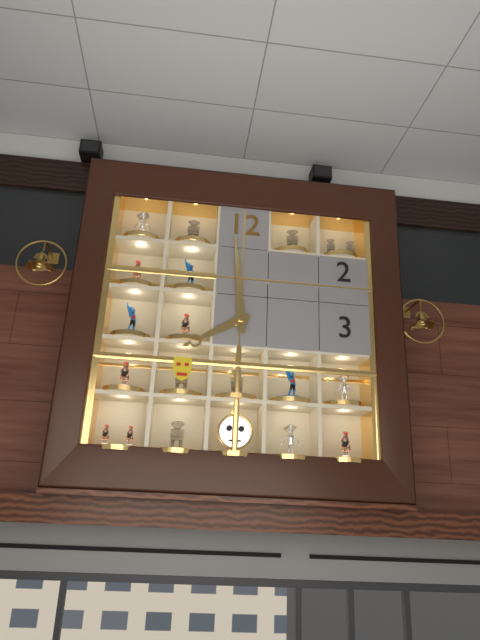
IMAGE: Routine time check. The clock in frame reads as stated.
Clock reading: 7:59
